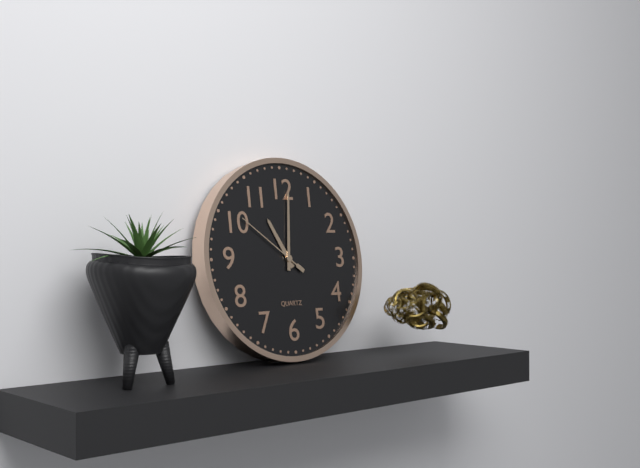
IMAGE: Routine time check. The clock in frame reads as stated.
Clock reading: 11:01:51
